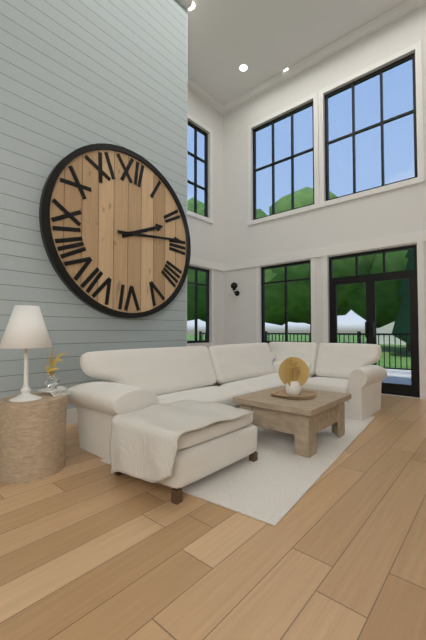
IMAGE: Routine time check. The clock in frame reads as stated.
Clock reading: 2:14
